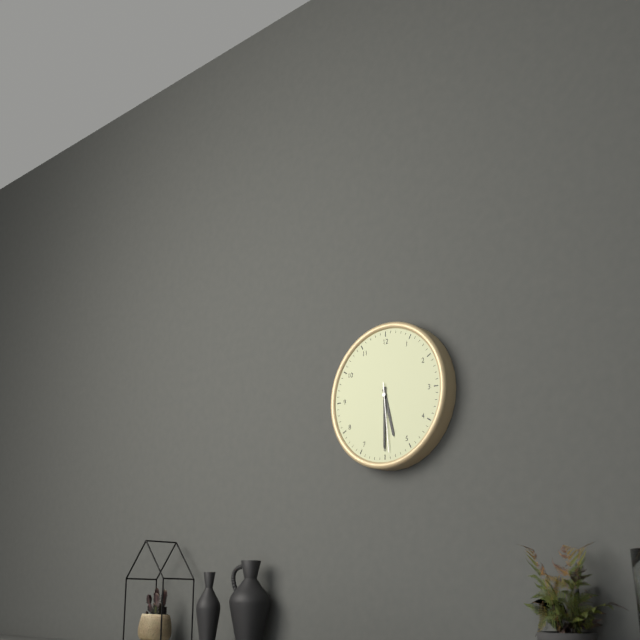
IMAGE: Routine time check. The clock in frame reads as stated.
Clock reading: 5:30:29
